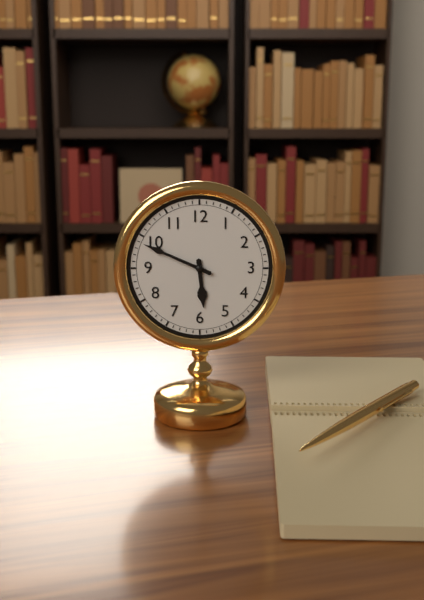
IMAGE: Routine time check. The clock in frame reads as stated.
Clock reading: 5:49
